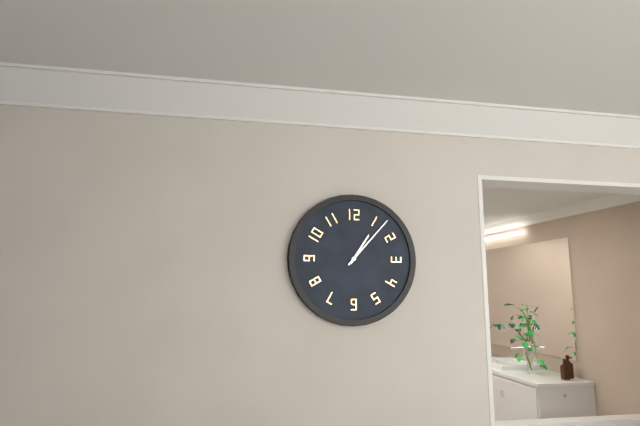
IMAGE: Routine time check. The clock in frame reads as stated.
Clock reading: 1:07
